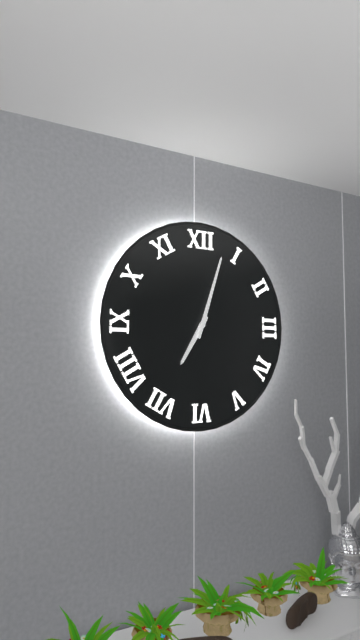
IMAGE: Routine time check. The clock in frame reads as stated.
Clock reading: 7:03
